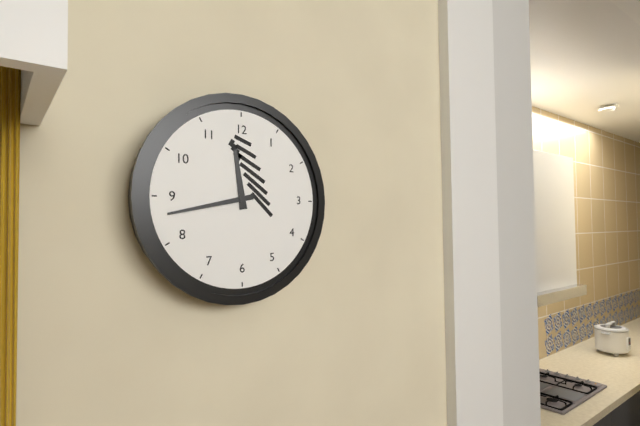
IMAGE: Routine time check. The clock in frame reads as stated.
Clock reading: 11:43
